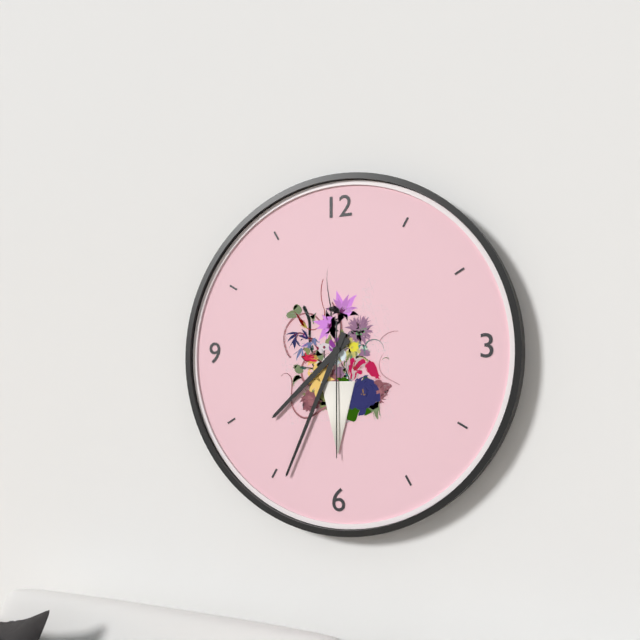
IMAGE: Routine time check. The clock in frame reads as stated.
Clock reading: 7:34:30
